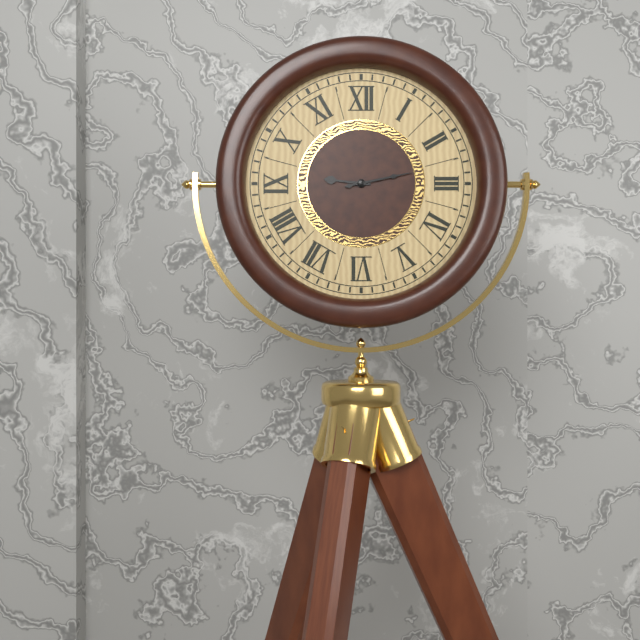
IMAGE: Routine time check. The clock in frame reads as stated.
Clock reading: 9:13
